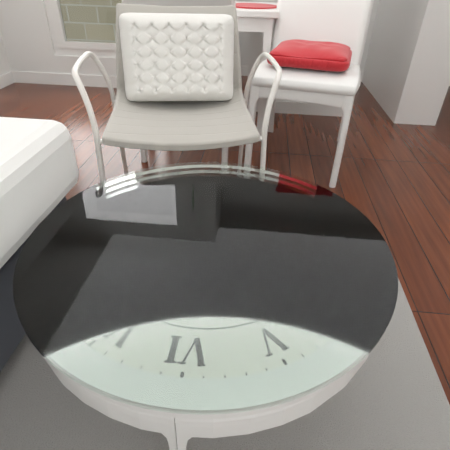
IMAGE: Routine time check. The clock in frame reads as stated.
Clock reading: 6:34
